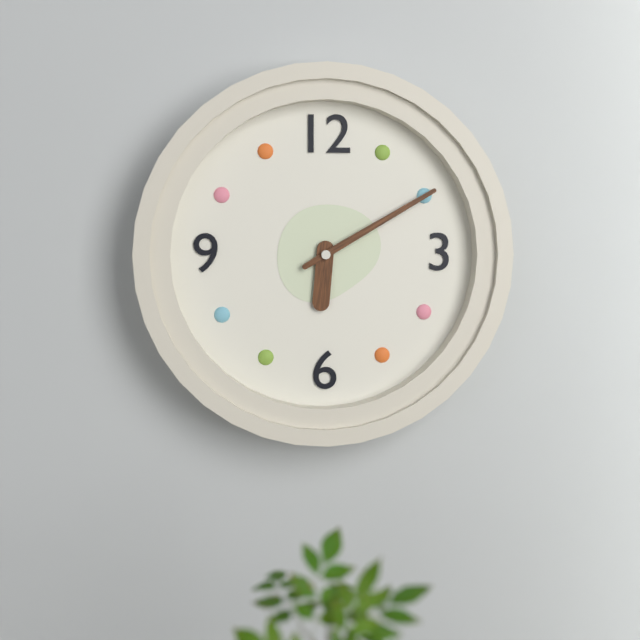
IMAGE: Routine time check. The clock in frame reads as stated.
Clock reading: 6:10
